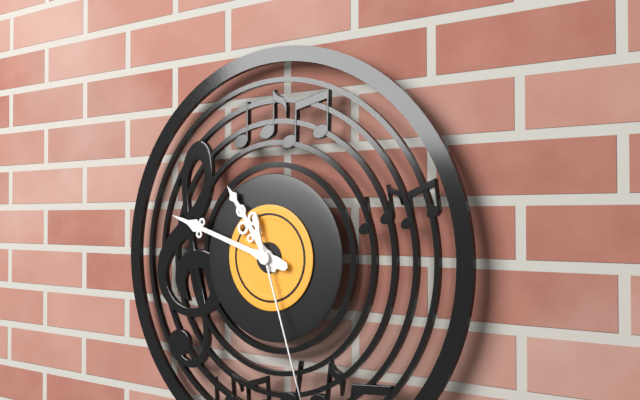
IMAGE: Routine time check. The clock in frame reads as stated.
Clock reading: 10:48
